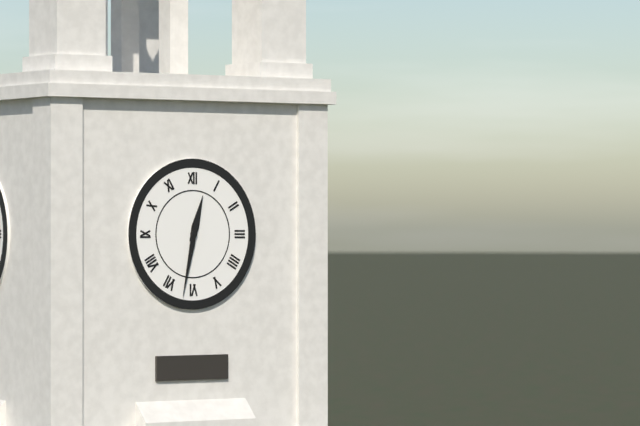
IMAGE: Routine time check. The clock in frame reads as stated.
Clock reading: 12:32
